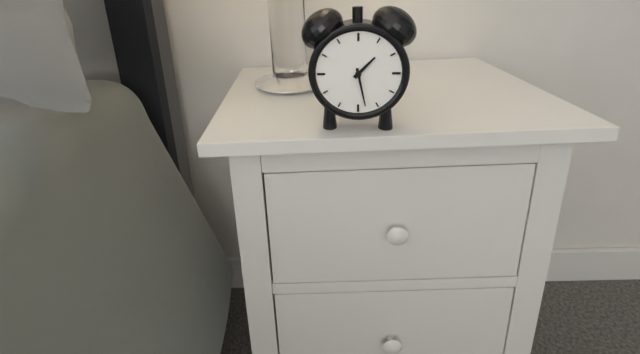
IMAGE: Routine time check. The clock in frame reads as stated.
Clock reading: 1:28
